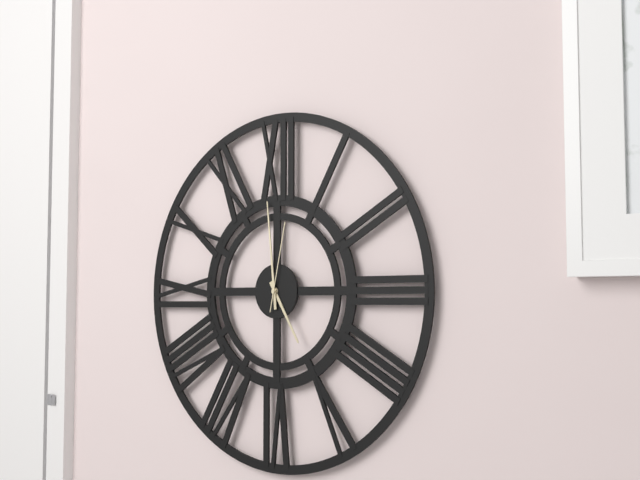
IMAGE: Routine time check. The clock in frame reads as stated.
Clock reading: 4:59:02
